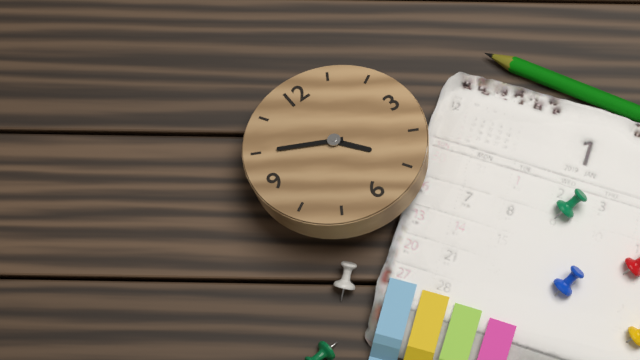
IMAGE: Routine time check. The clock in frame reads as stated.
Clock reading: 4:50
